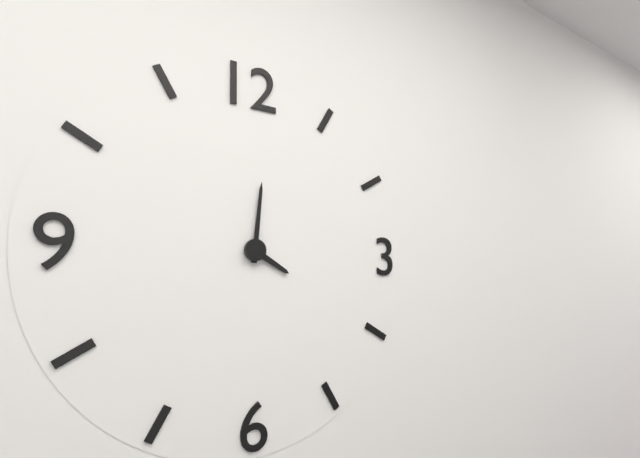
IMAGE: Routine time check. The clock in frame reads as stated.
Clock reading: 4:01
